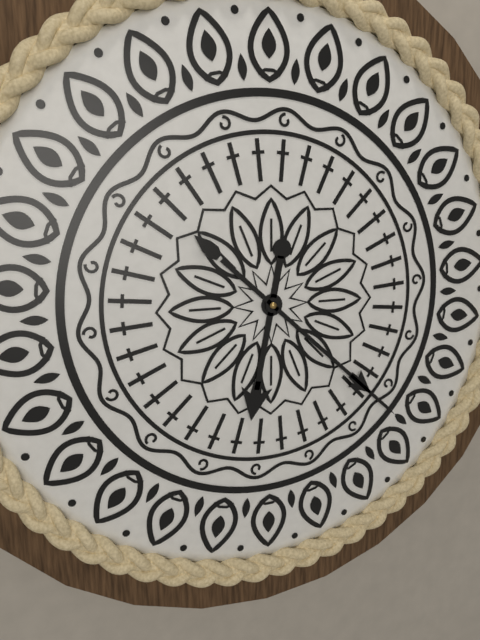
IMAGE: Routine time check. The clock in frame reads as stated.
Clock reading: 6:22
